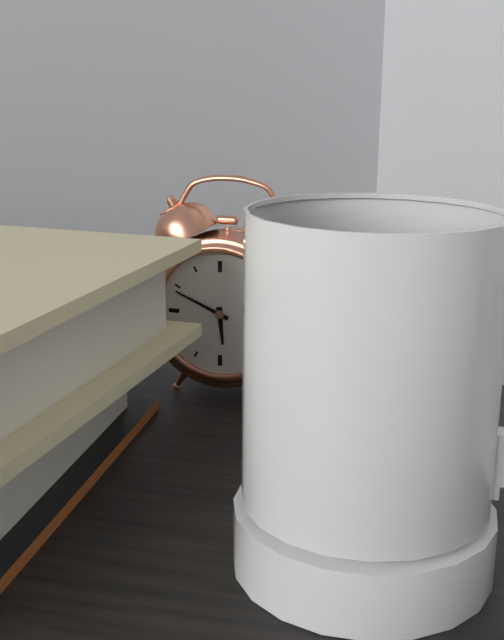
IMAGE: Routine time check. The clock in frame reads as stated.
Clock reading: 5:49
